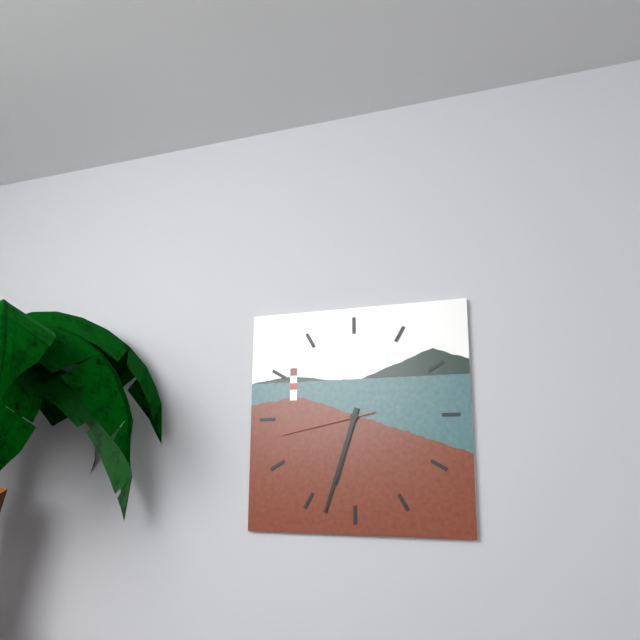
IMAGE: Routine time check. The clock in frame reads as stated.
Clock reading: 6:33:43
